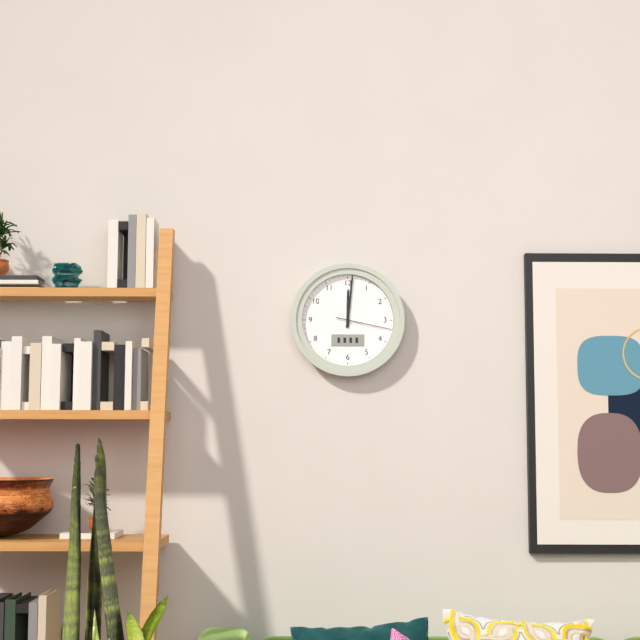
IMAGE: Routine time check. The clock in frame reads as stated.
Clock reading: 12:01:17
